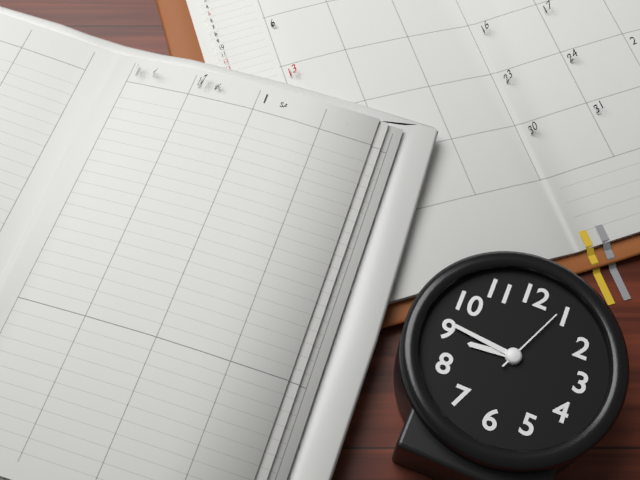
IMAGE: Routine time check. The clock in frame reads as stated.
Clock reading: 8:46:04
